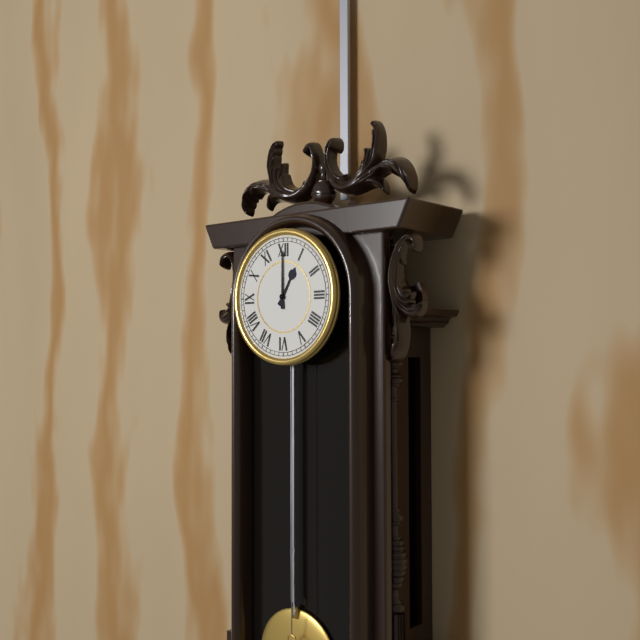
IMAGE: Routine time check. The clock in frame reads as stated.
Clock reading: 1:00
